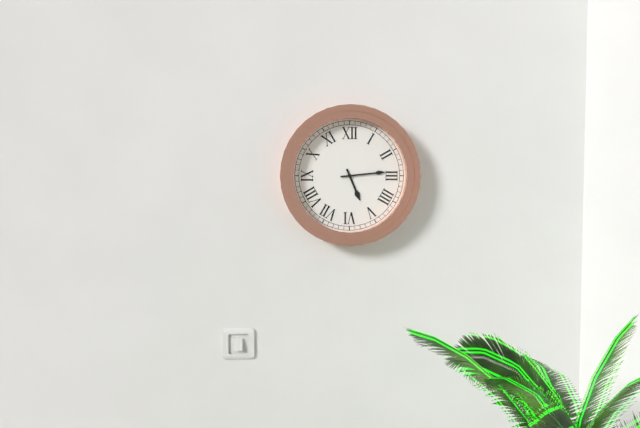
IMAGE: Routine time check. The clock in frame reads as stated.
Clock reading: 5:14
